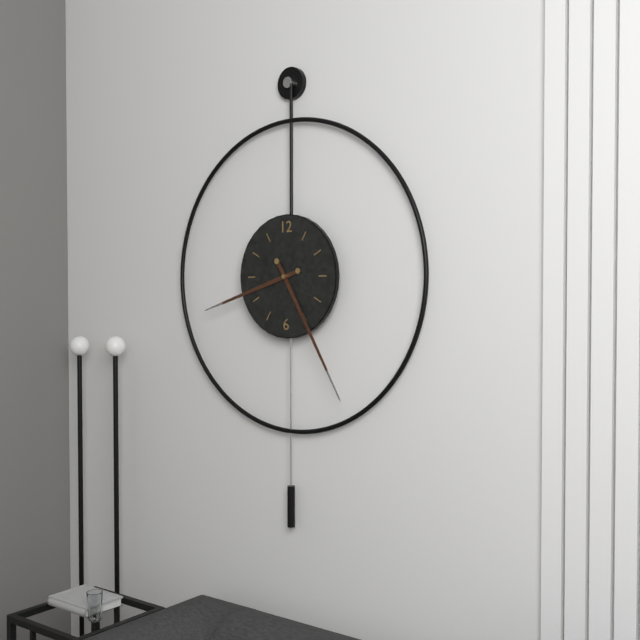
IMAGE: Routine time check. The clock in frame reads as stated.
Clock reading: 8:25
